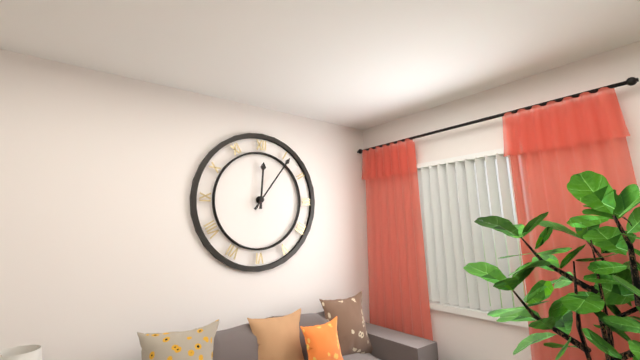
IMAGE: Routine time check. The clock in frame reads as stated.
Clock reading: 12:06
